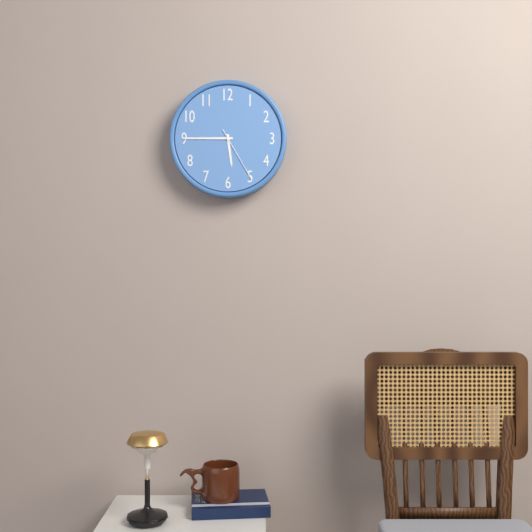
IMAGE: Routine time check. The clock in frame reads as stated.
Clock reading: 5:45:25
